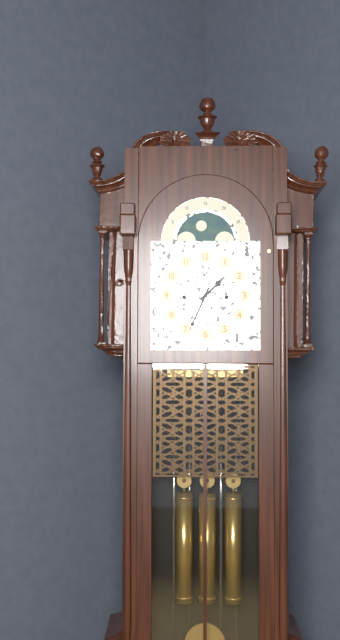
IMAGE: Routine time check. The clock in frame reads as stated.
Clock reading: 1:34
